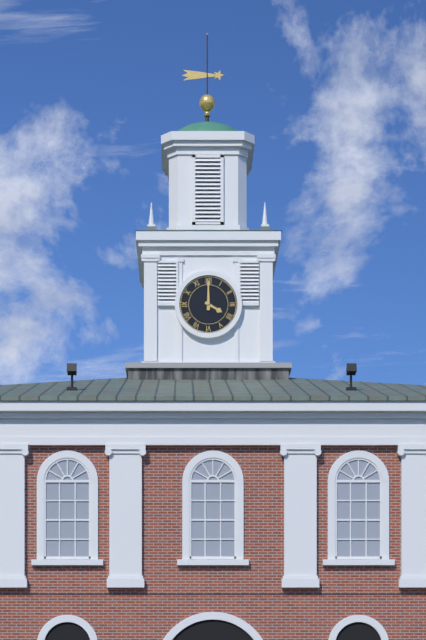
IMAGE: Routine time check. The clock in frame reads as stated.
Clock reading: 4:00
